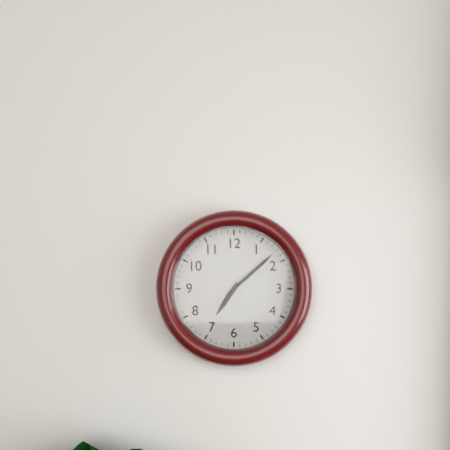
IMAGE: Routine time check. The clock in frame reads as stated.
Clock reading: 7:08
